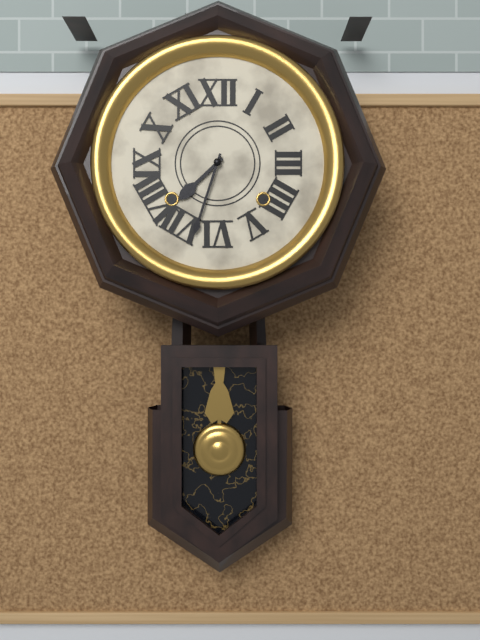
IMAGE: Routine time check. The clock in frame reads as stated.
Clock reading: 7:33
